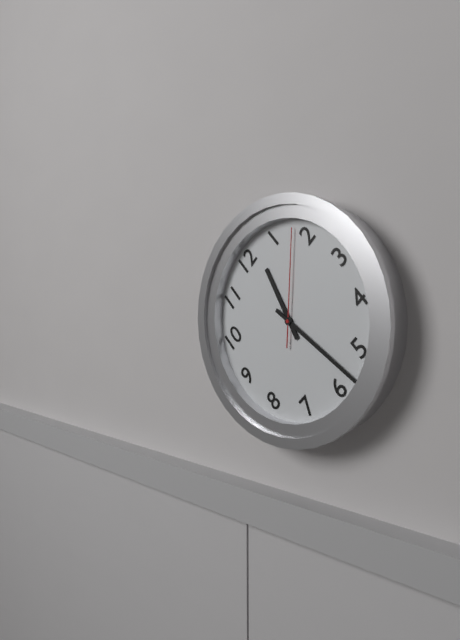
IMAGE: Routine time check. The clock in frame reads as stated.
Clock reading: 12:28:08
